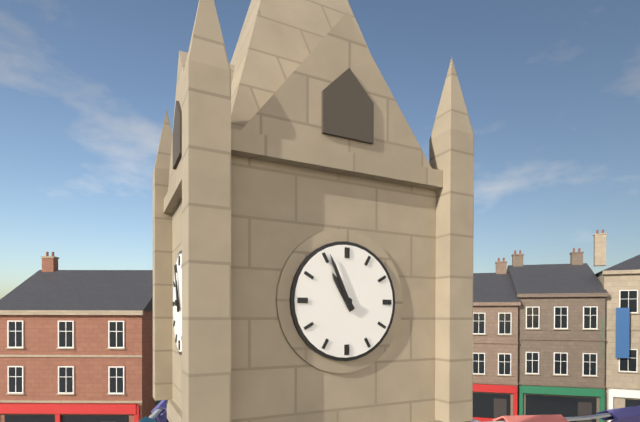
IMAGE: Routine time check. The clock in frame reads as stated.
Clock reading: 10:56
